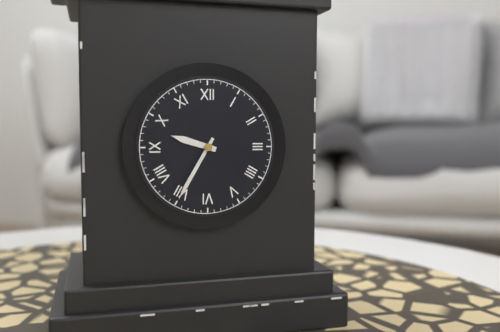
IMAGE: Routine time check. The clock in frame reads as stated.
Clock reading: 9:35
